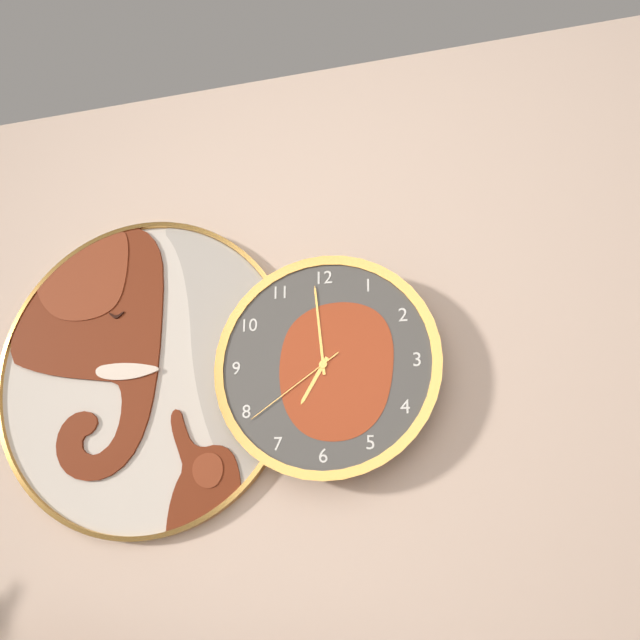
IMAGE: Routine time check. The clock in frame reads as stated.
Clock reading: 6:59:39
